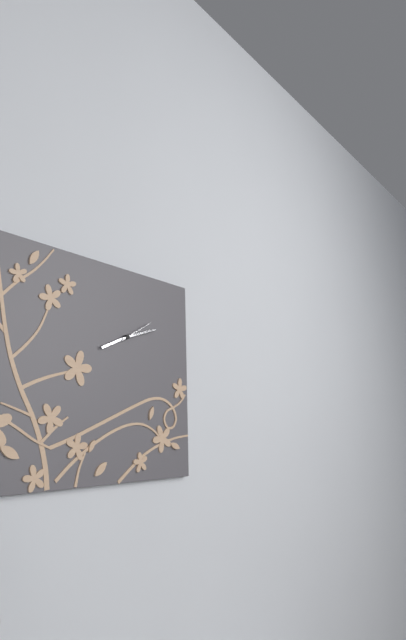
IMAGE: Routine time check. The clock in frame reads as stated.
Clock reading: 8:12
